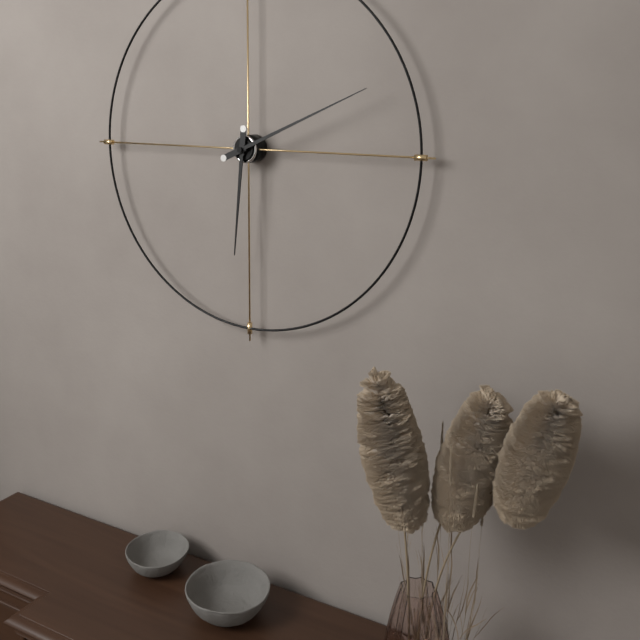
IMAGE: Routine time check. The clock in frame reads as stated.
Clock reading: 6:11
